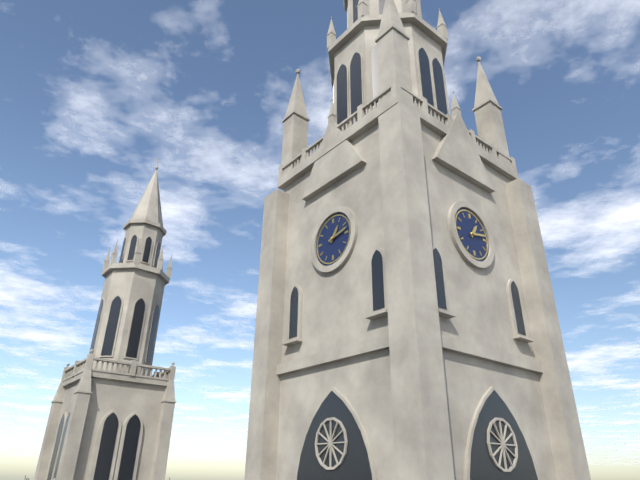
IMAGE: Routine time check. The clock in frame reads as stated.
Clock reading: 1:13
